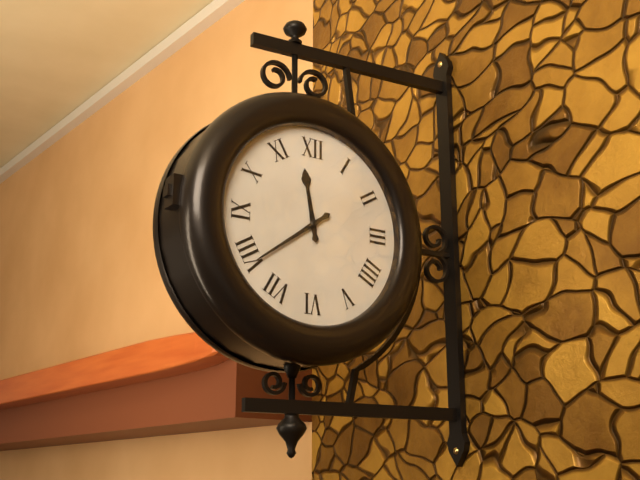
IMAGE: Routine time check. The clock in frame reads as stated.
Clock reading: 11:39
